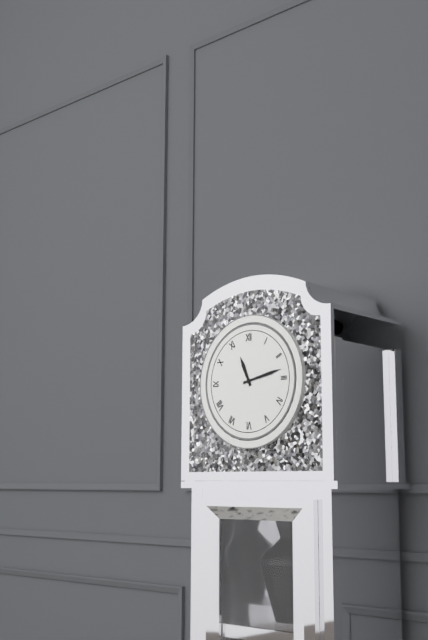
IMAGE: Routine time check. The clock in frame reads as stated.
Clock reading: 11:13
